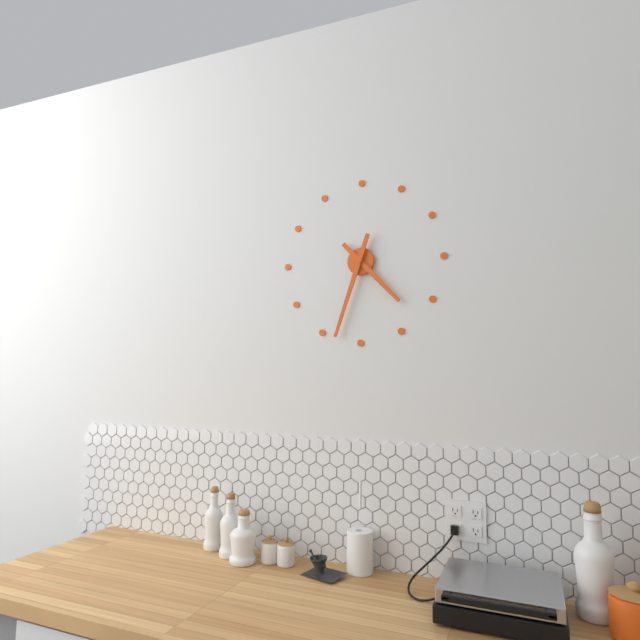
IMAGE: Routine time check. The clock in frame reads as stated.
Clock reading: 4:33
